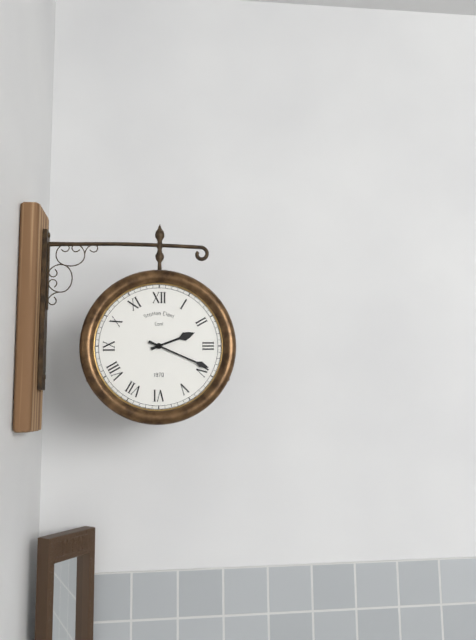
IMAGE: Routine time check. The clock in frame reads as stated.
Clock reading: 2:19
